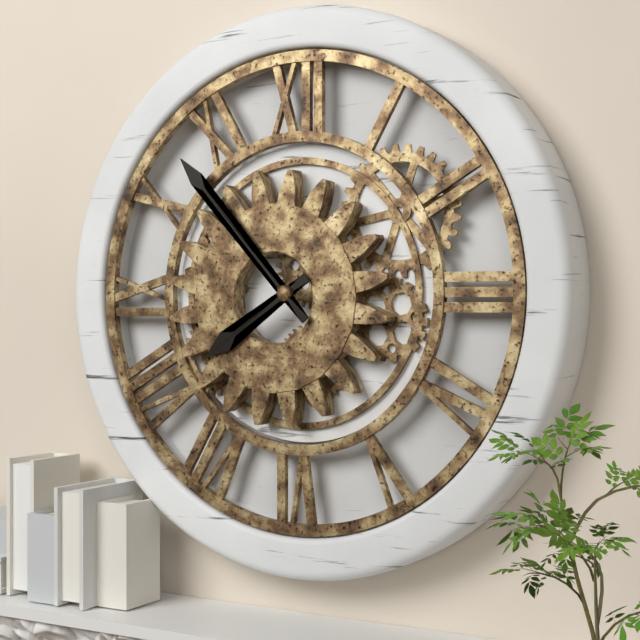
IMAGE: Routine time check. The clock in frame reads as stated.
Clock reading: 7:53
